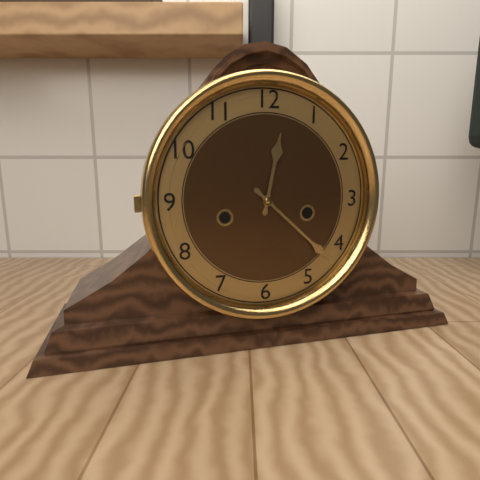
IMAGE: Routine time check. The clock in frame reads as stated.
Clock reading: 12:22
